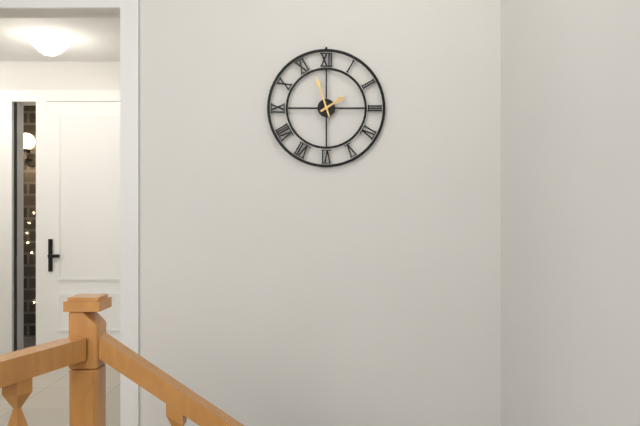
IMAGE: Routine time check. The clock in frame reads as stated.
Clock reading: 1:57
